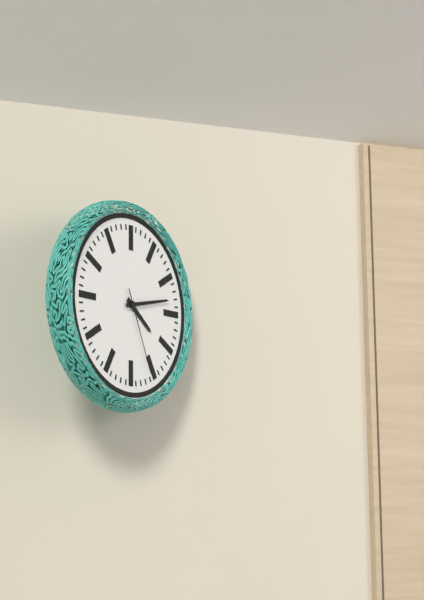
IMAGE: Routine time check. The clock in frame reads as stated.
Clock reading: 4:13:26
